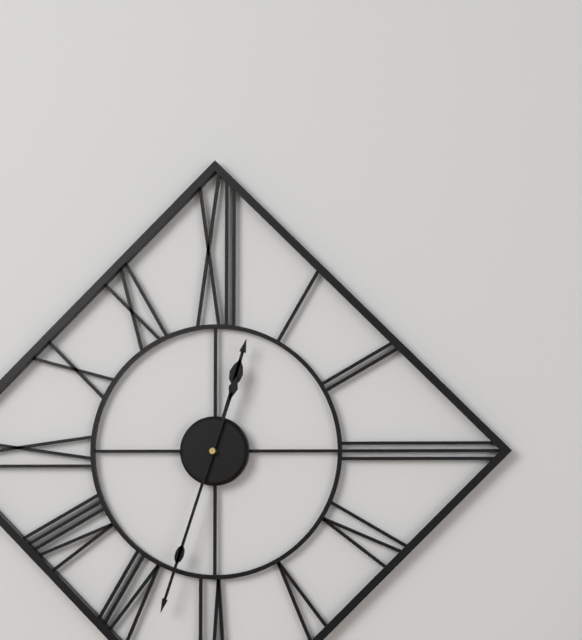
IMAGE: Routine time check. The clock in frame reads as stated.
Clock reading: 12:33
